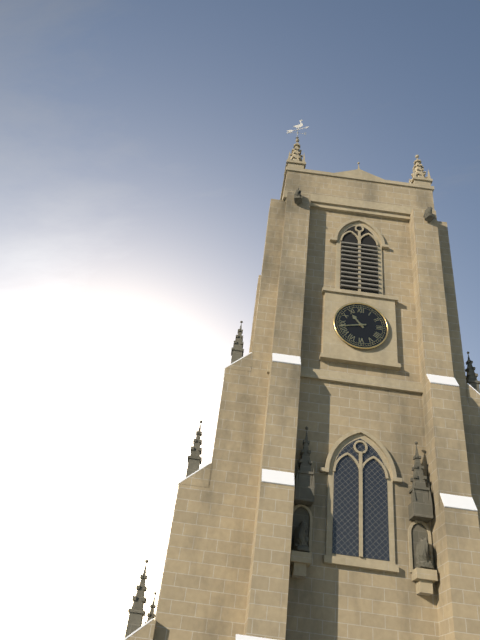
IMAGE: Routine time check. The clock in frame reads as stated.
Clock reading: 10:43
